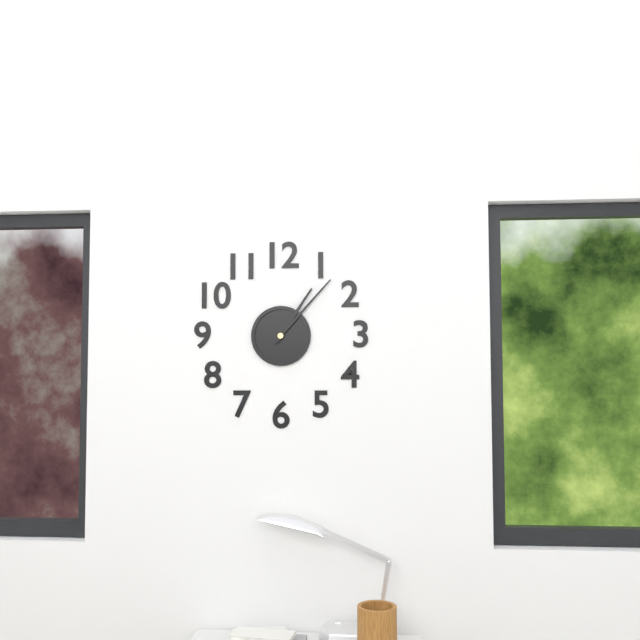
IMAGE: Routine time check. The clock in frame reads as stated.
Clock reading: 1:07
